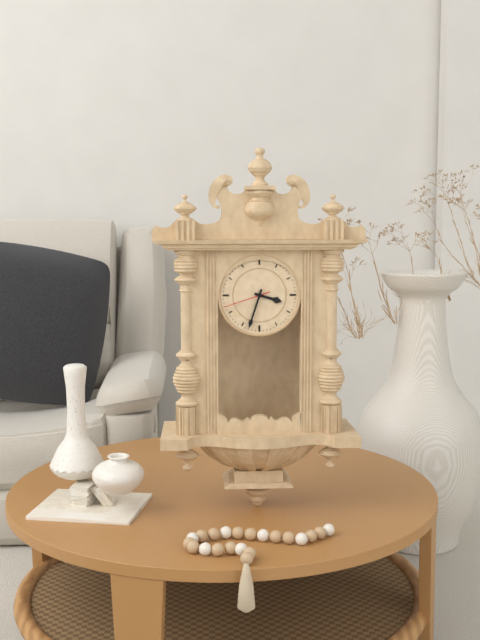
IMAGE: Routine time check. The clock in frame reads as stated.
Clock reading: 3:33
